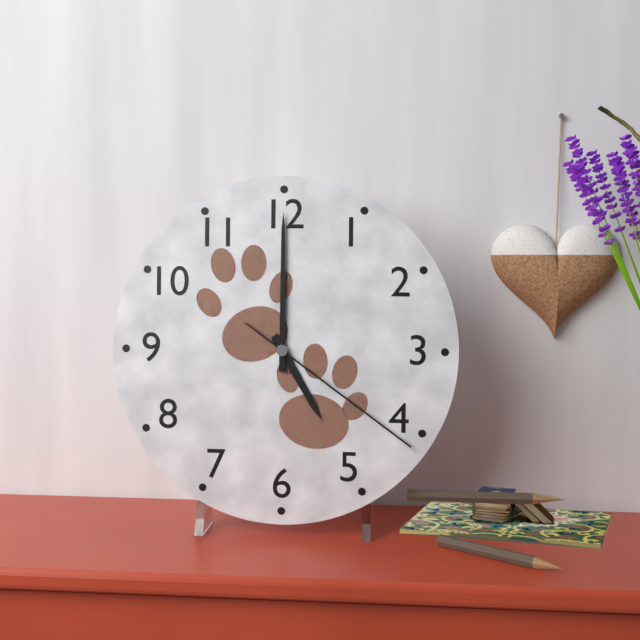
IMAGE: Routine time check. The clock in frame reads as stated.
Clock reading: 5:00:21
